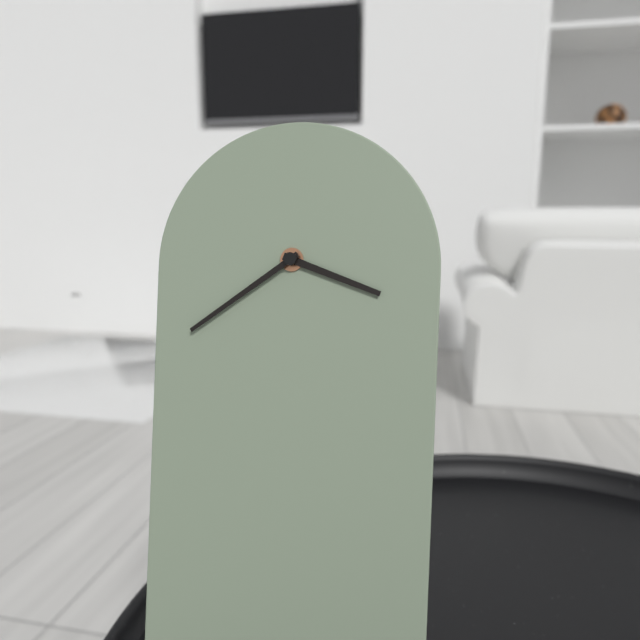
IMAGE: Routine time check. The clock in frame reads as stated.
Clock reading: 3:39
